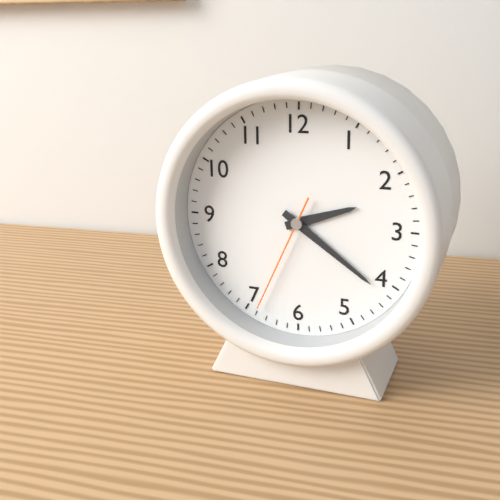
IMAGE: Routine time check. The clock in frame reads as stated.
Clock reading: 2:21:34
